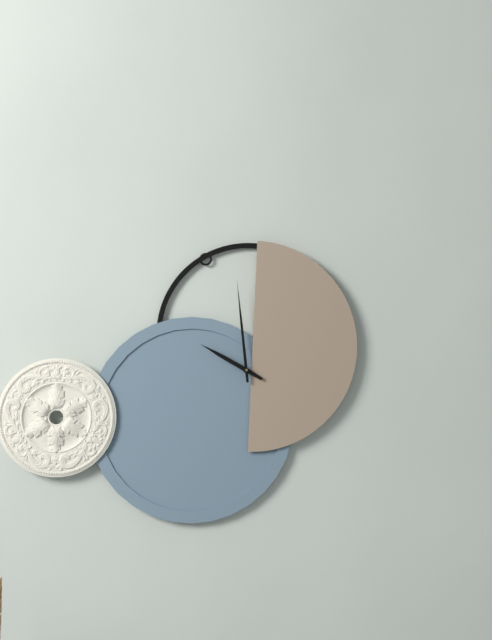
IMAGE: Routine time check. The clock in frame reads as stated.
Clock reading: 9:59
